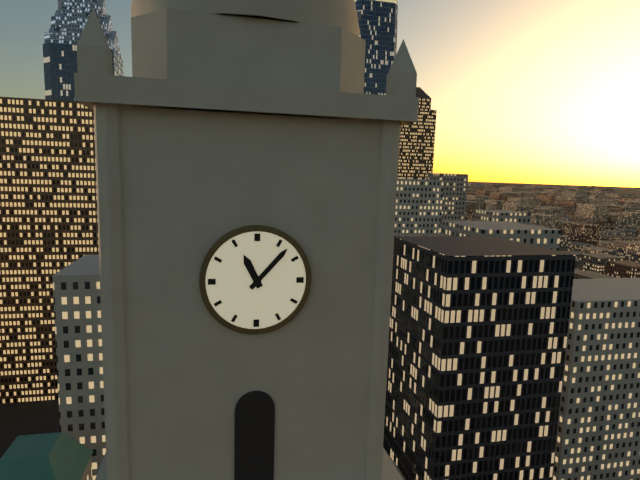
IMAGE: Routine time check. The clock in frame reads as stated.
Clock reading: 11:07
